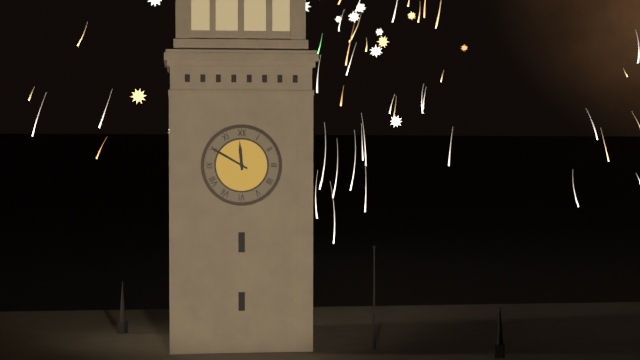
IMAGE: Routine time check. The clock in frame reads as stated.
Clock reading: 11:50
